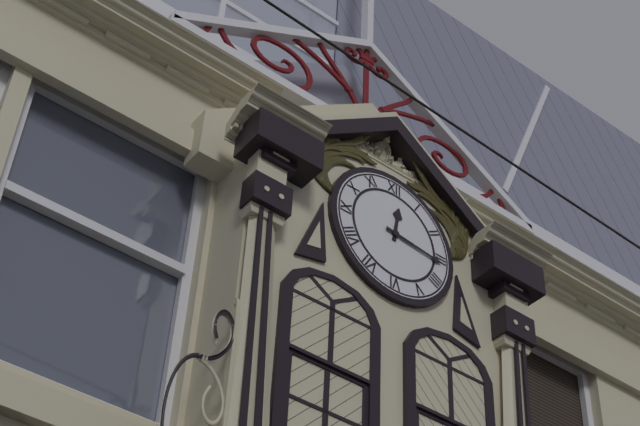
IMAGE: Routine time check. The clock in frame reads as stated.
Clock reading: 12:16
